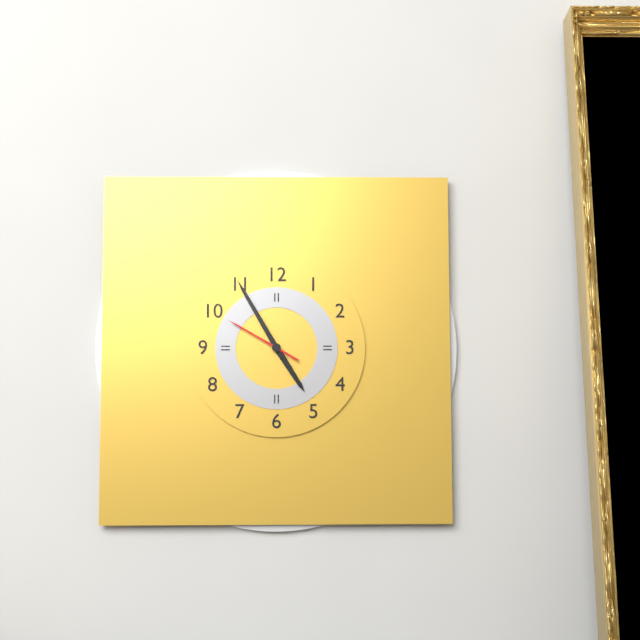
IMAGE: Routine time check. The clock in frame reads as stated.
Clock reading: 4:55:50
